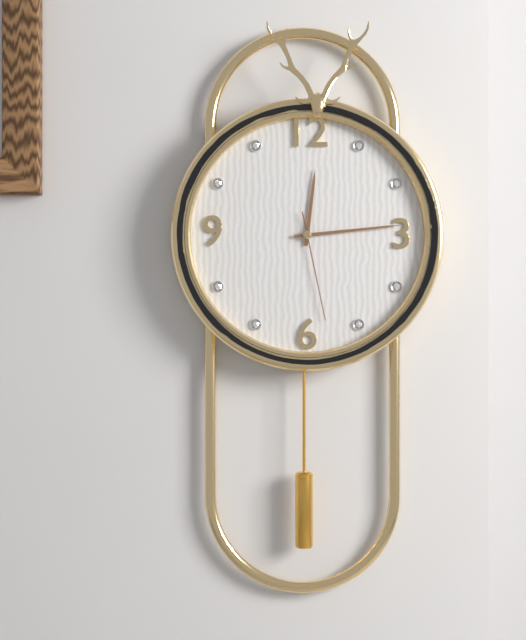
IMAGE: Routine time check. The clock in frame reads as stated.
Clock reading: 12:14:28
